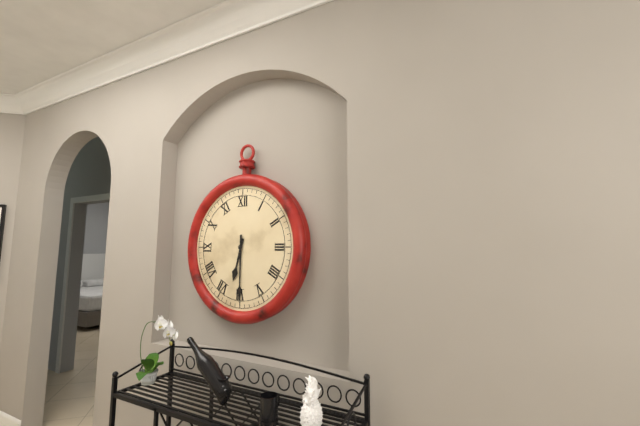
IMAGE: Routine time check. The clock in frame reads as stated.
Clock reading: 6:30
